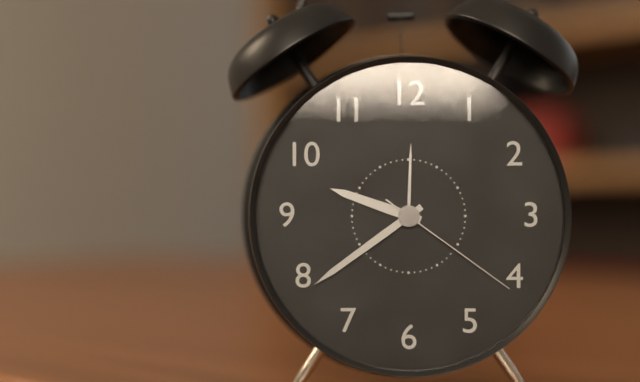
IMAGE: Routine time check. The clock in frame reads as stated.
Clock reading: 9:39:21
